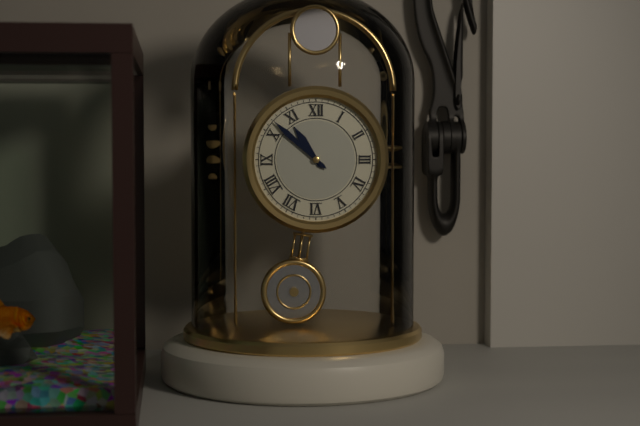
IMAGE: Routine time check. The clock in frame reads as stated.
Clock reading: 10:52
